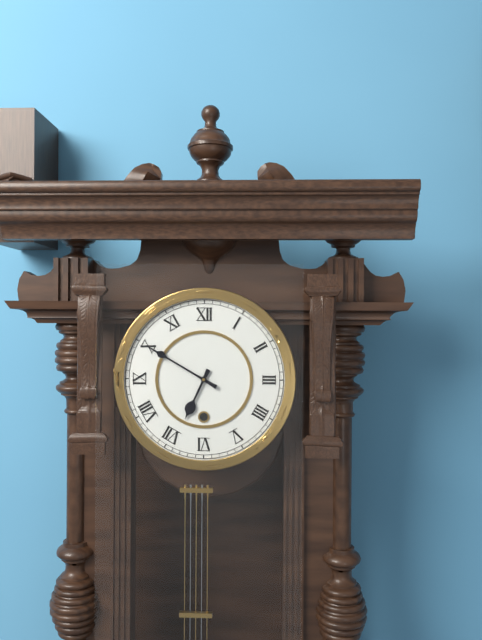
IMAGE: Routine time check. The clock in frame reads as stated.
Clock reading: 6:50
